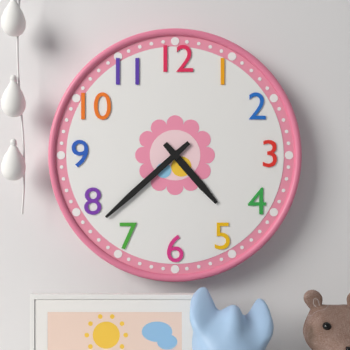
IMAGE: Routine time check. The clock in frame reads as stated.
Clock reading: 4:38
